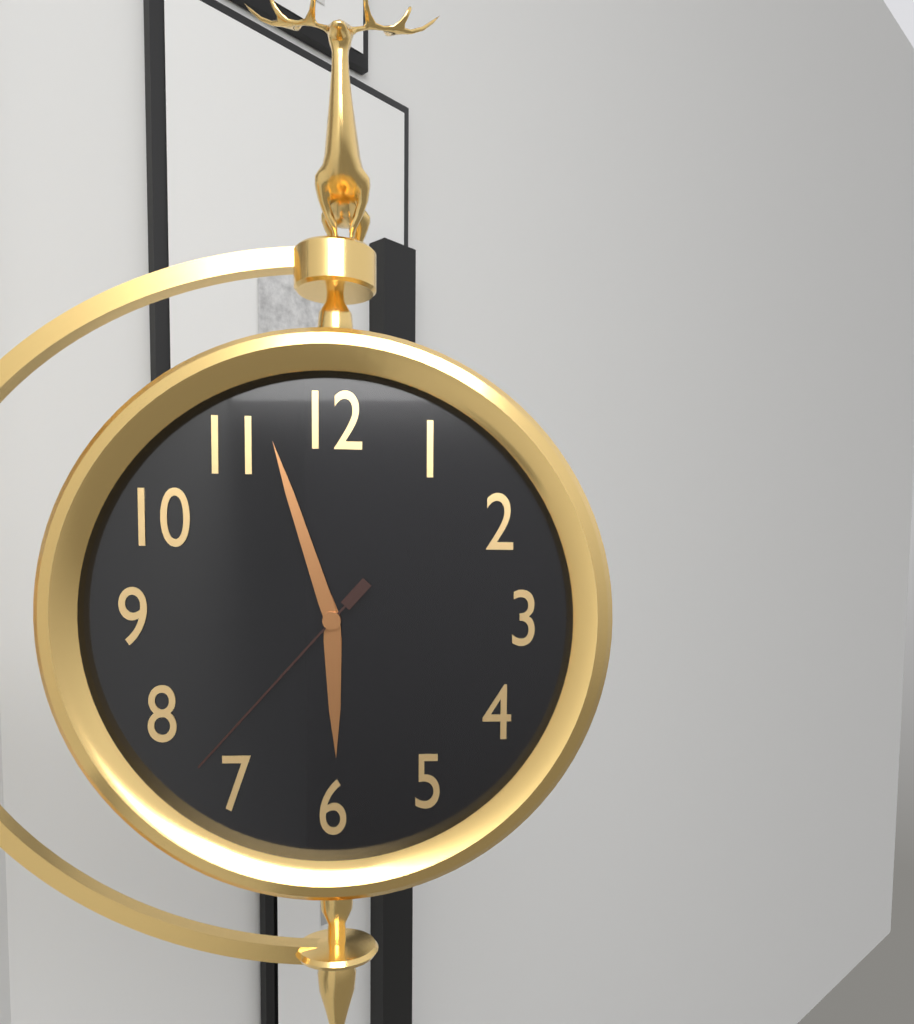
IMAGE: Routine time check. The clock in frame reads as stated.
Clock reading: 5:57:37
